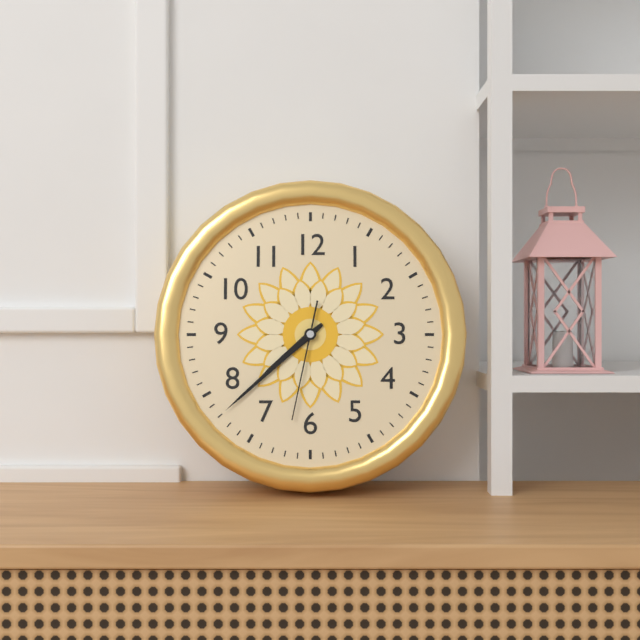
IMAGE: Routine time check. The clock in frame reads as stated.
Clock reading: 7:38:32
